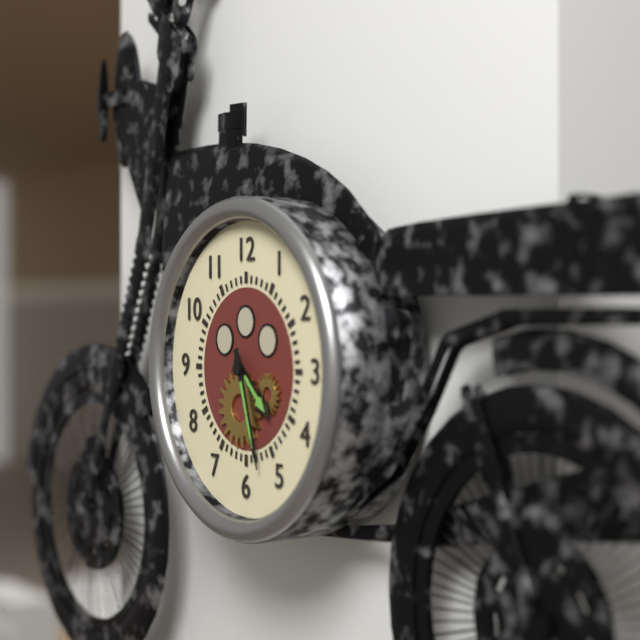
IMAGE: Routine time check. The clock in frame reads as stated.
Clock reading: 4:27
